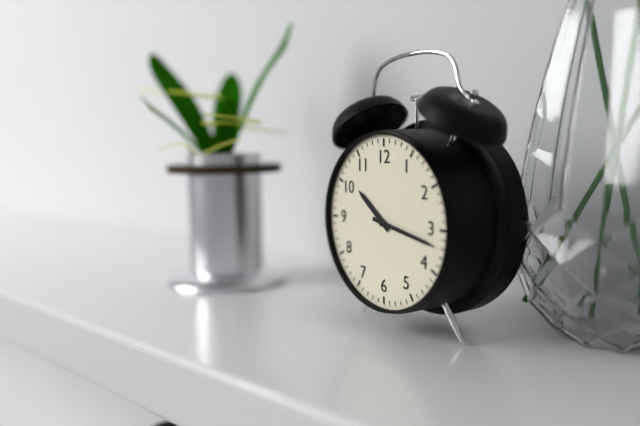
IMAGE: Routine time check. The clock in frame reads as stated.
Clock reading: 10:17
